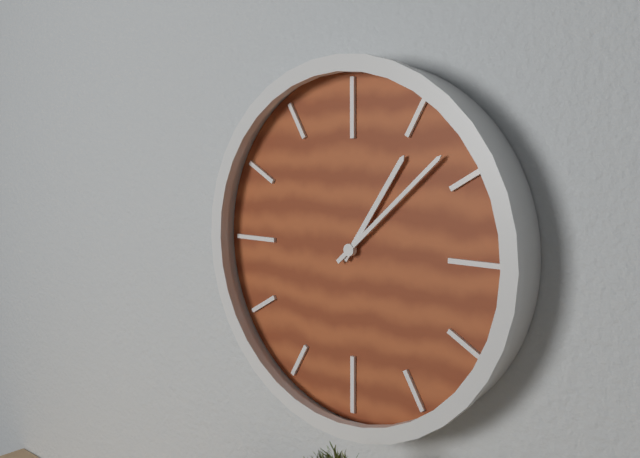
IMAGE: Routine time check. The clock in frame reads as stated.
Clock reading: 1:08
